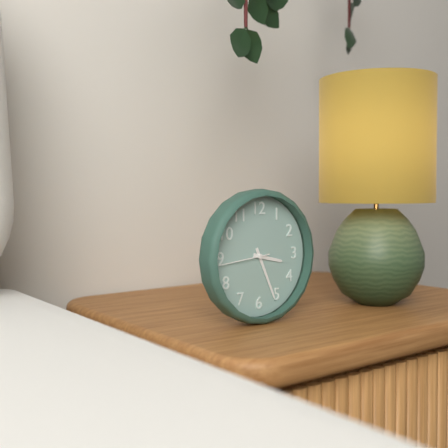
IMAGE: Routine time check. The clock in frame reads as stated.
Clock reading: 3:26:44
